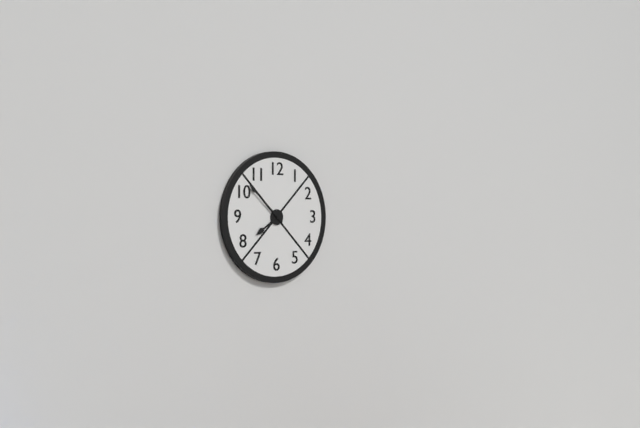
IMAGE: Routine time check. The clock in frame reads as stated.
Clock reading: 7:52
